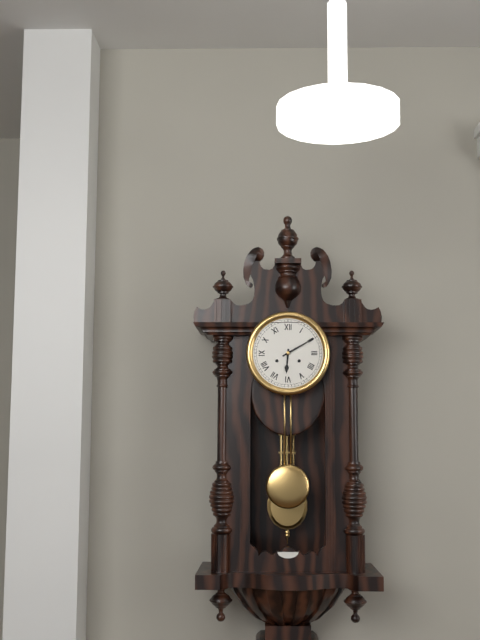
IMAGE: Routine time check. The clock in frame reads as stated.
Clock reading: 6:10
